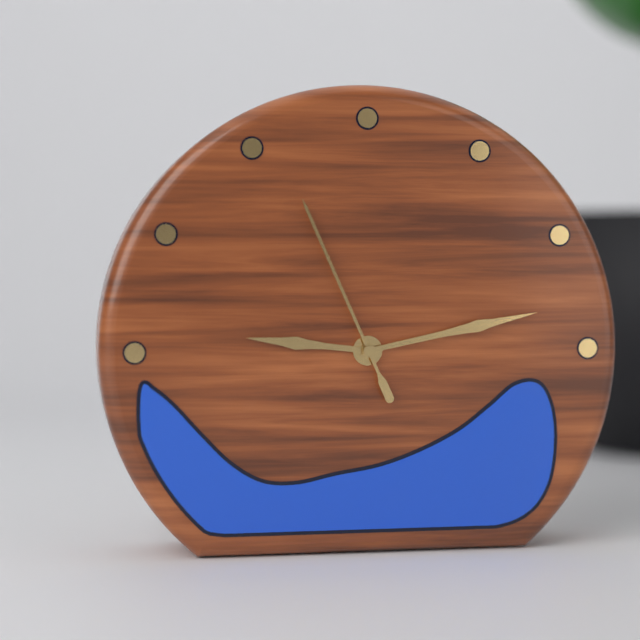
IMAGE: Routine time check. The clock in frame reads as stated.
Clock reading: 9:13:56
